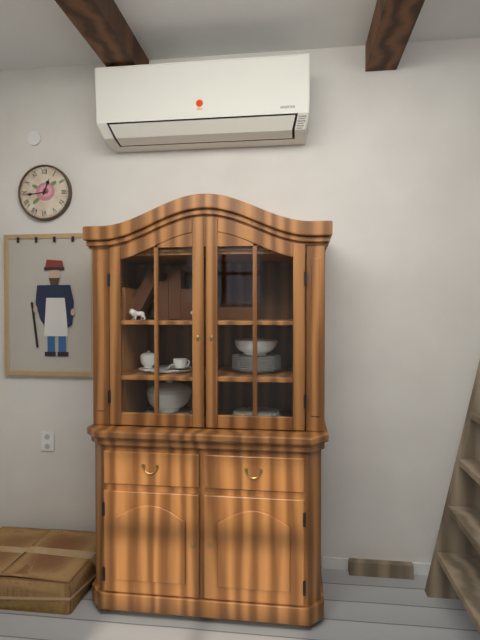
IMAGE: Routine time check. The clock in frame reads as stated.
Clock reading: 12:44
